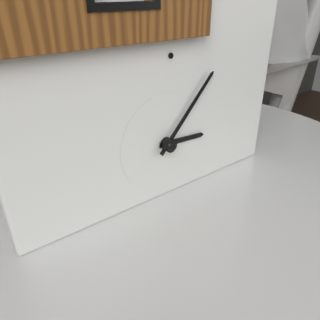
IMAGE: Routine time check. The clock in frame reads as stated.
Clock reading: 3:07
